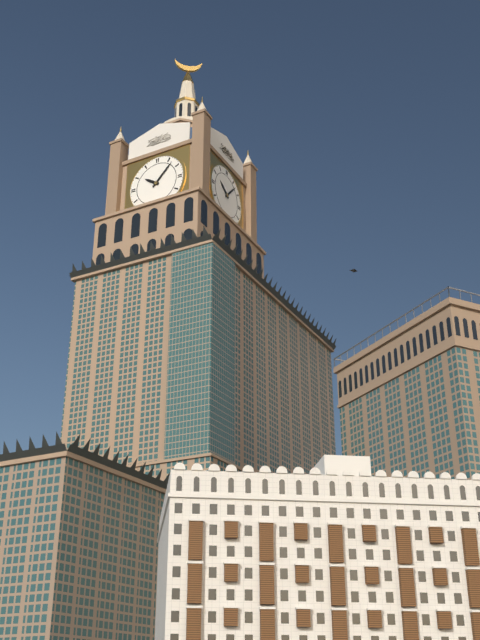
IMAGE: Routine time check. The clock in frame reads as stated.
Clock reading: 10:07
